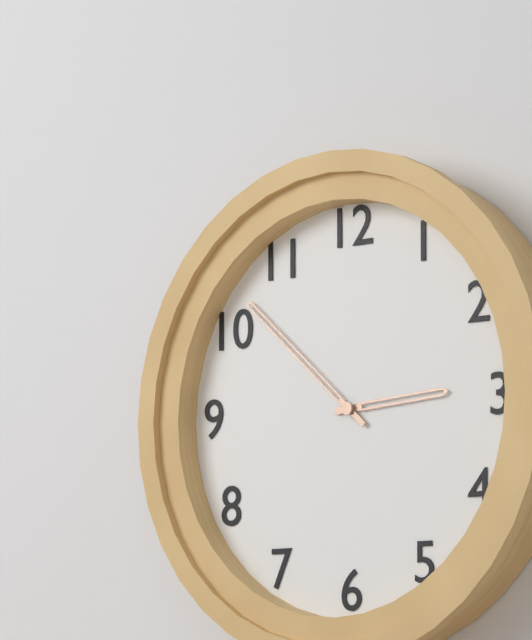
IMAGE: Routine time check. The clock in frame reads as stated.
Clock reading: 2:52
